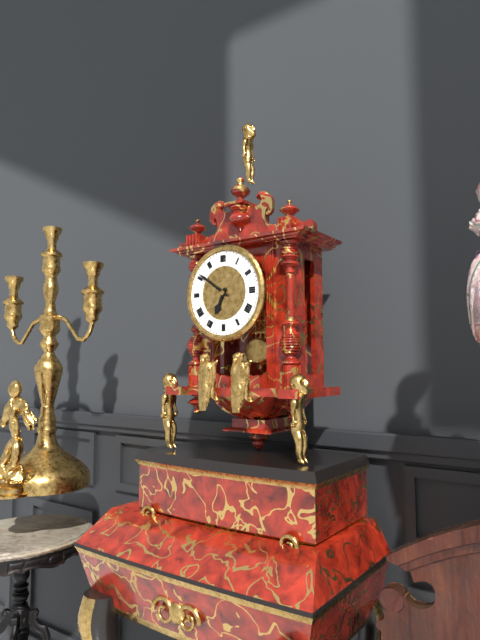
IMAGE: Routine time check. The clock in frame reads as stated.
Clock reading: 6:51
